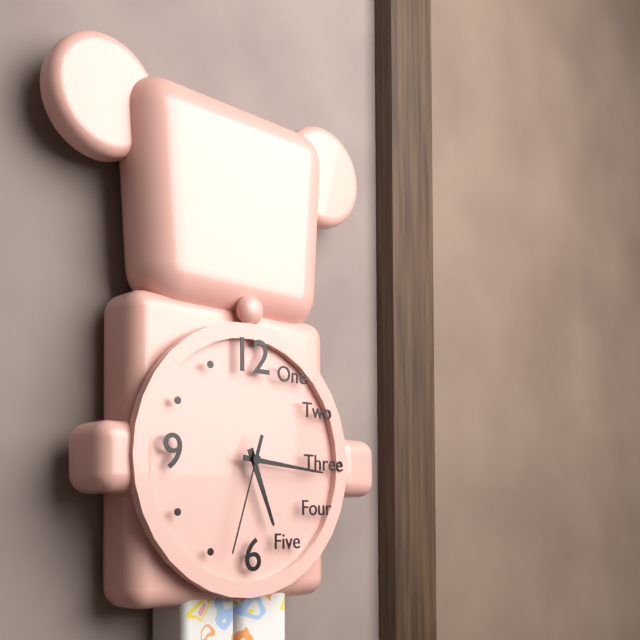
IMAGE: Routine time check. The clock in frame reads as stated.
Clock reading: 5:16:33
